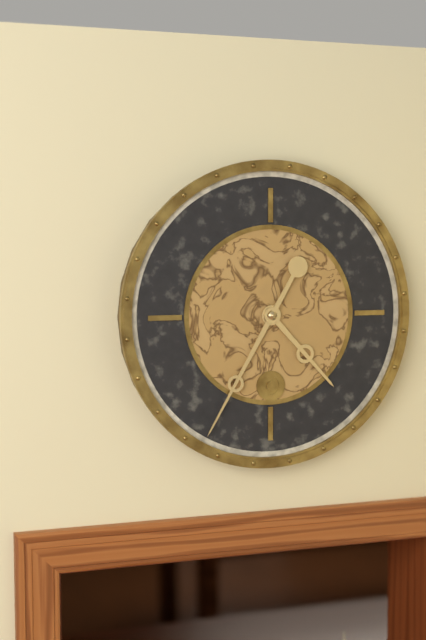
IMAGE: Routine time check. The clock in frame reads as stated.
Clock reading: 4:35
